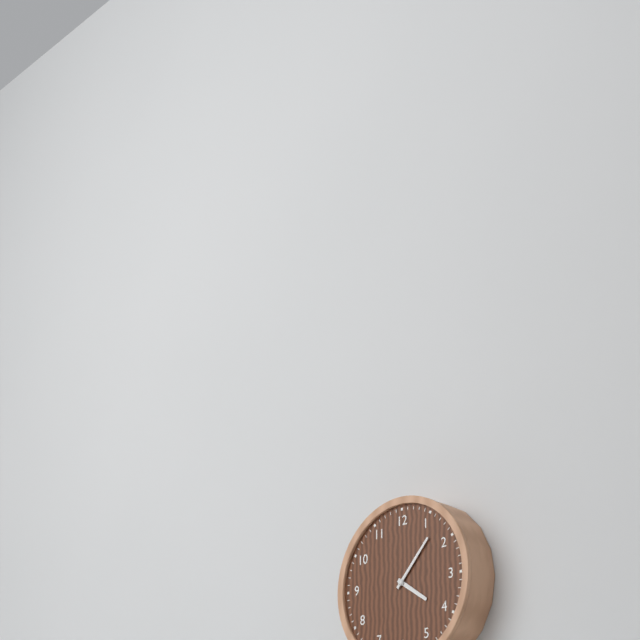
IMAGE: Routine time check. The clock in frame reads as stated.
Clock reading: 4:07
